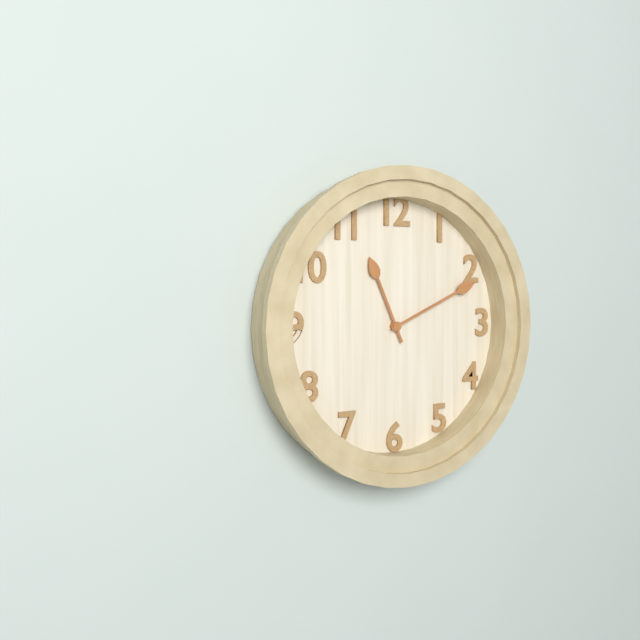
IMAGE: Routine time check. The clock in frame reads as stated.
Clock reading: 11:11
